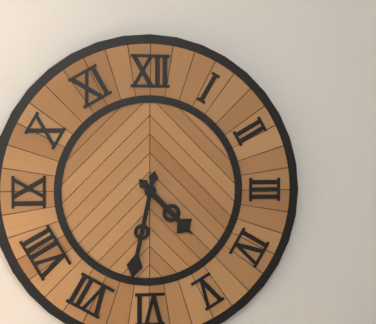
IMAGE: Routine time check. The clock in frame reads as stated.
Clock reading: 4:32
